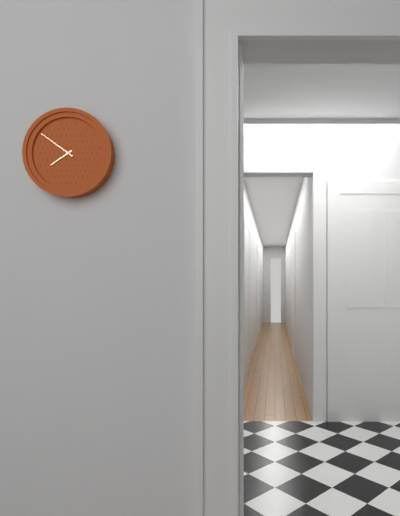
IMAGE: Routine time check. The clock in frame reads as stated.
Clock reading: 7:51
